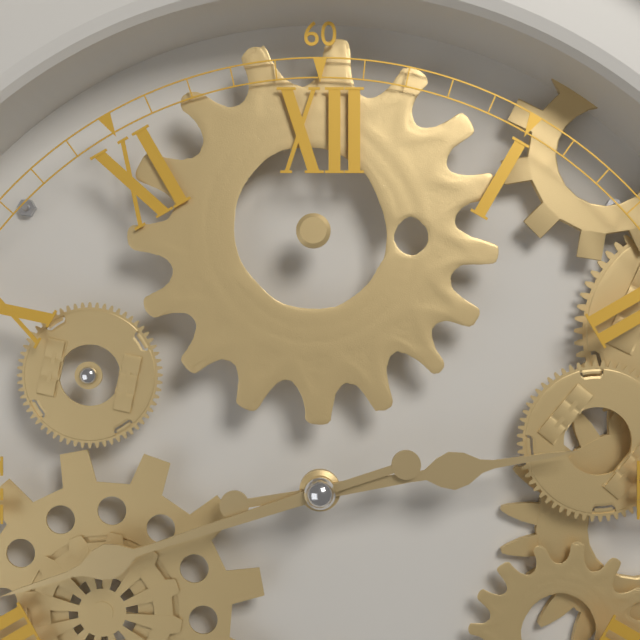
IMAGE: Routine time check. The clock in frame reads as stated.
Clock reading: 2:42
